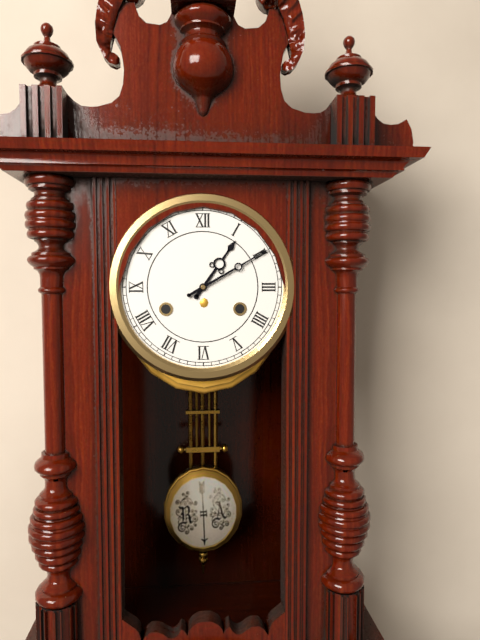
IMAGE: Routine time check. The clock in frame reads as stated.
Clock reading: 1:10
